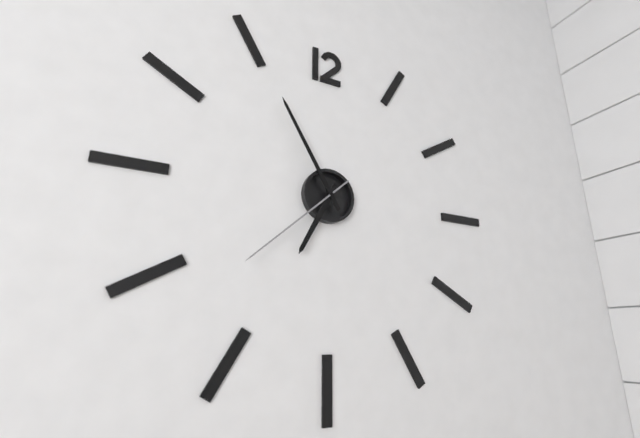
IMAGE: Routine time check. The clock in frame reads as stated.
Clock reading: 6:55:38
